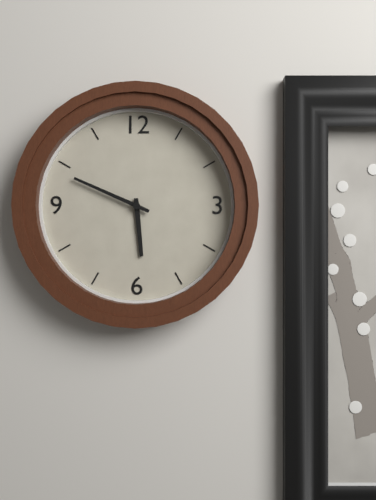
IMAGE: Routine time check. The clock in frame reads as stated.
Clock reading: 5:49
